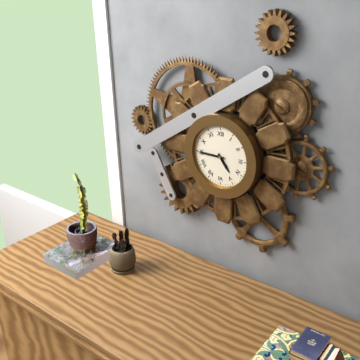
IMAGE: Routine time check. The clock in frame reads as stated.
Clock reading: 4:45
